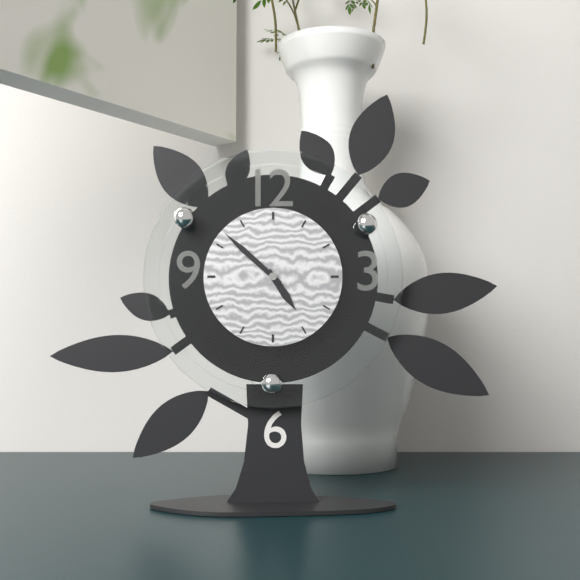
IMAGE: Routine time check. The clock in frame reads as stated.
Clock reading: 4:52
